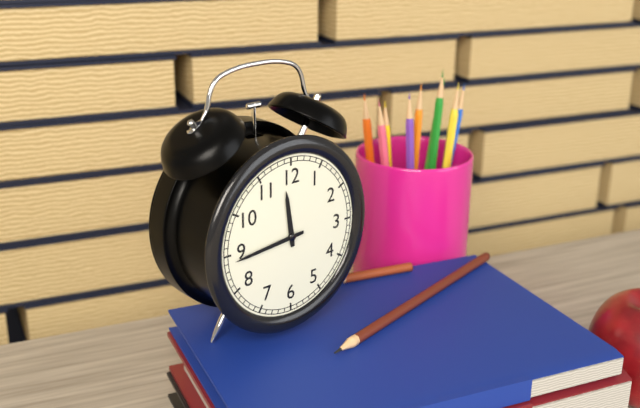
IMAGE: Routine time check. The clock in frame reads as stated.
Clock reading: 11:44
